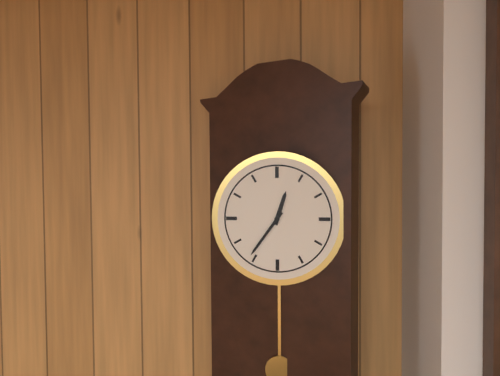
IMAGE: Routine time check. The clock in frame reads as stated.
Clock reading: 12:36
